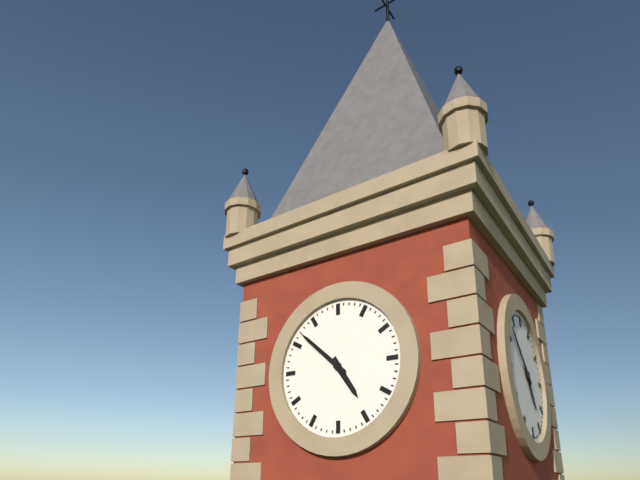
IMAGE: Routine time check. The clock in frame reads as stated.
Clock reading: 4:52
